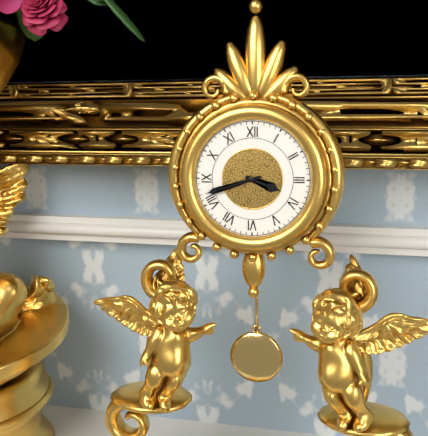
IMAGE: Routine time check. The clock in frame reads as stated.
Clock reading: 3:42
